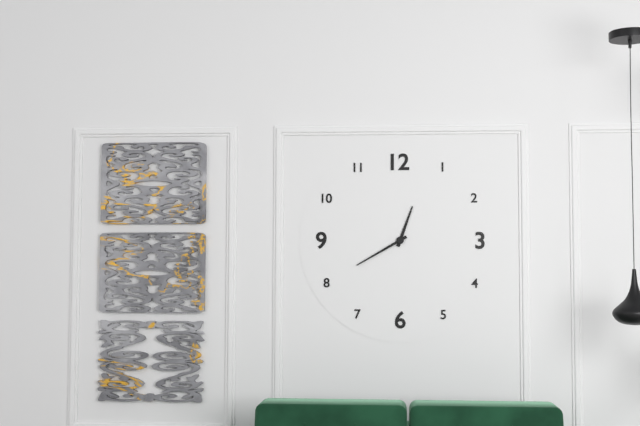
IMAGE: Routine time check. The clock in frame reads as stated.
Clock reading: 12:40
